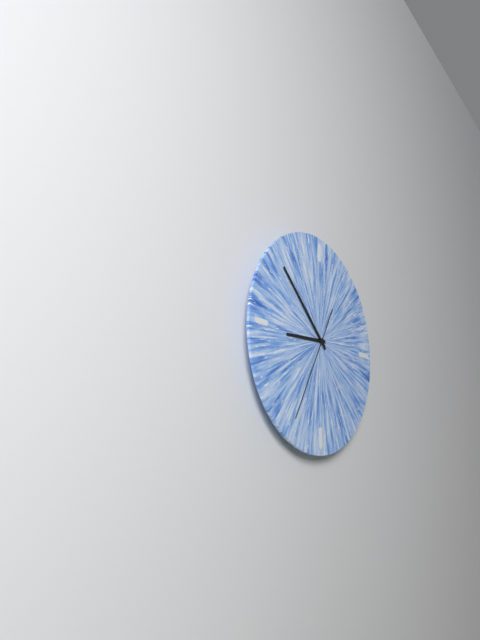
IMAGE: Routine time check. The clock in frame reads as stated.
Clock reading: 8:52:35
